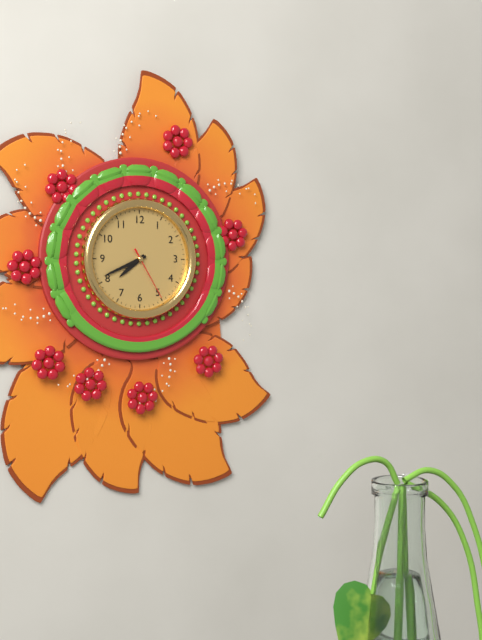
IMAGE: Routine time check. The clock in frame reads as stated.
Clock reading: 7:41:25
